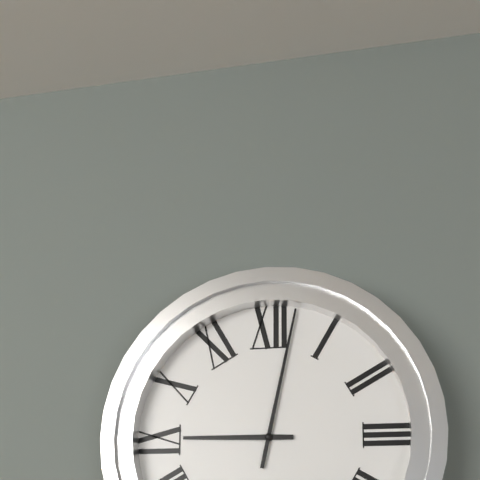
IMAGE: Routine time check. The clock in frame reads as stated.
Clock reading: 9:02
